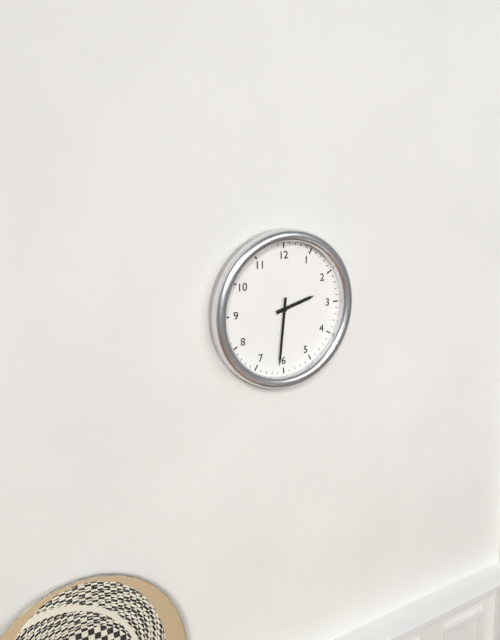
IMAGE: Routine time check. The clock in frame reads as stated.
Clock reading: 2:31
